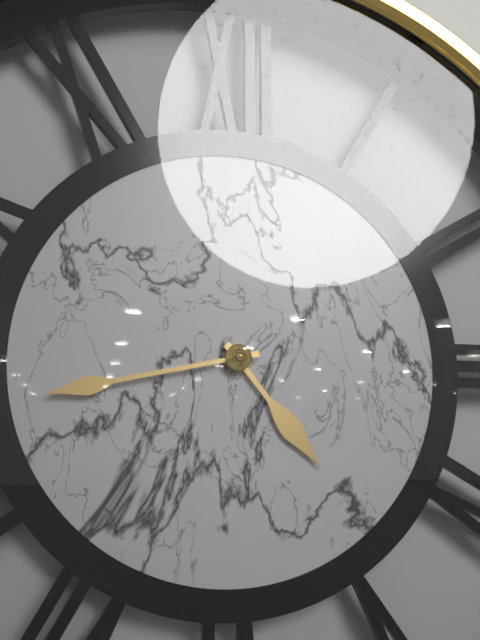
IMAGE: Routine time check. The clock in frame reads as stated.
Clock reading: 4:43
